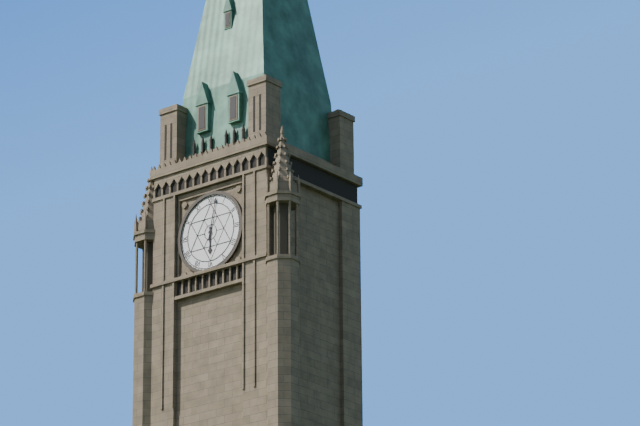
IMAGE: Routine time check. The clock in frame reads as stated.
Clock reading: 6:02
